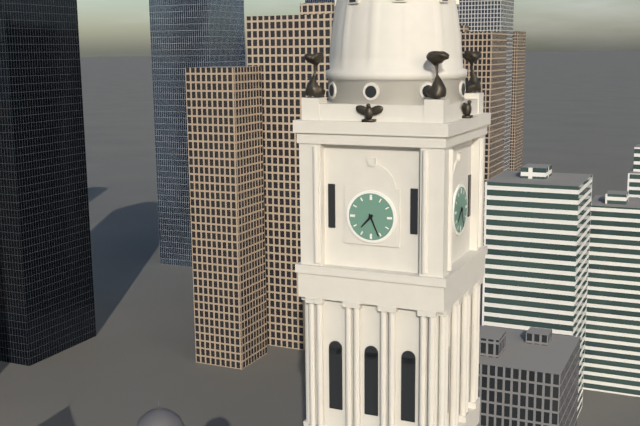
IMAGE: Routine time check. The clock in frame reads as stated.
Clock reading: 7:26
